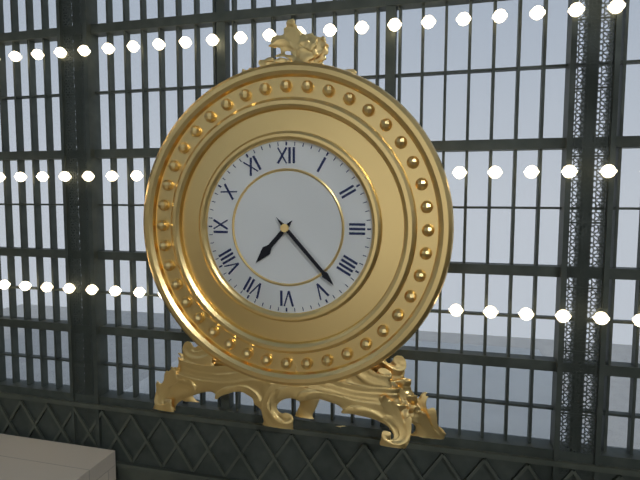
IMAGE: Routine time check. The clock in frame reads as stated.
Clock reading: 7:23
